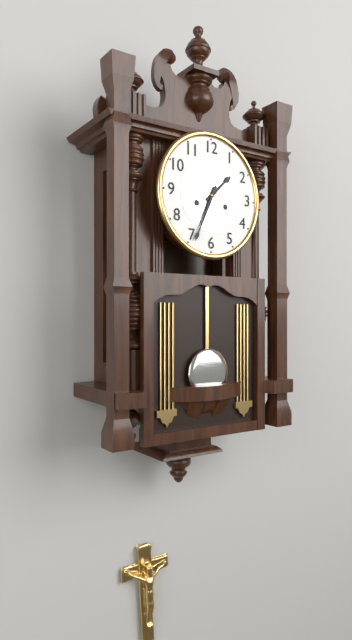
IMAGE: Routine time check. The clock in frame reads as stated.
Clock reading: 1:34
